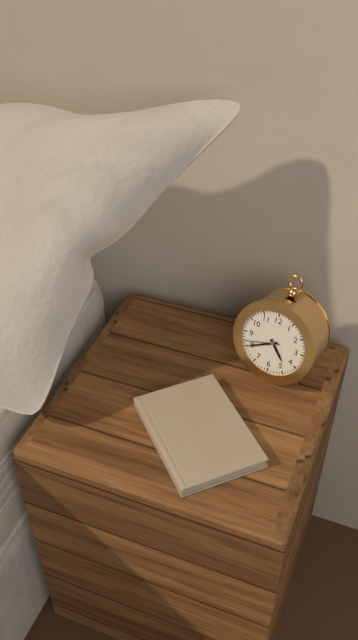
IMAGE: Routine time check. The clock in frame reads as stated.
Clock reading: 4:40
